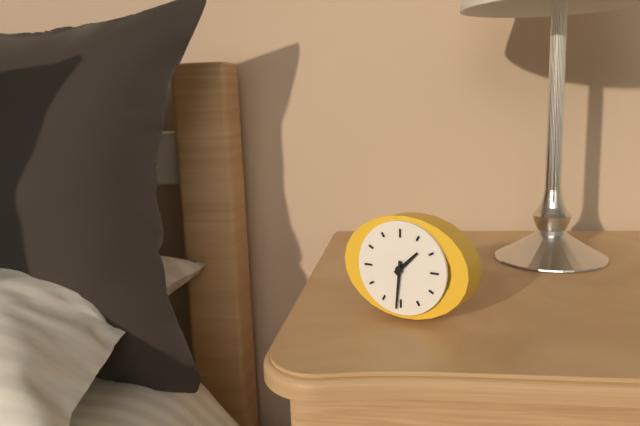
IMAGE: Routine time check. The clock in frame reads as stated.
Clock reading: 1:31
